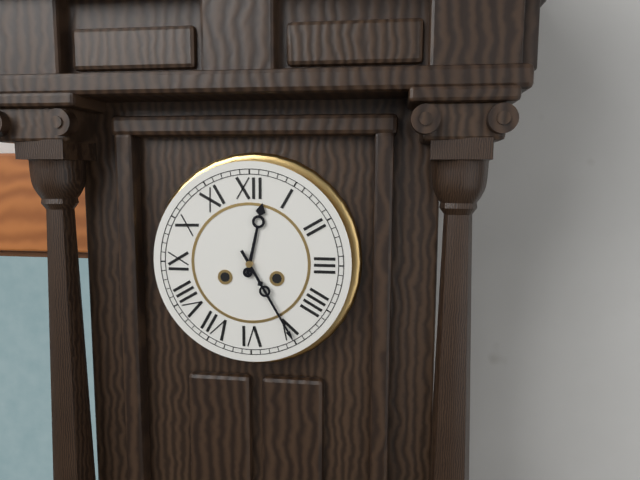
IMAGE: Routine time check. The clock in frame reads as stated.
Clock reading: 12:25
